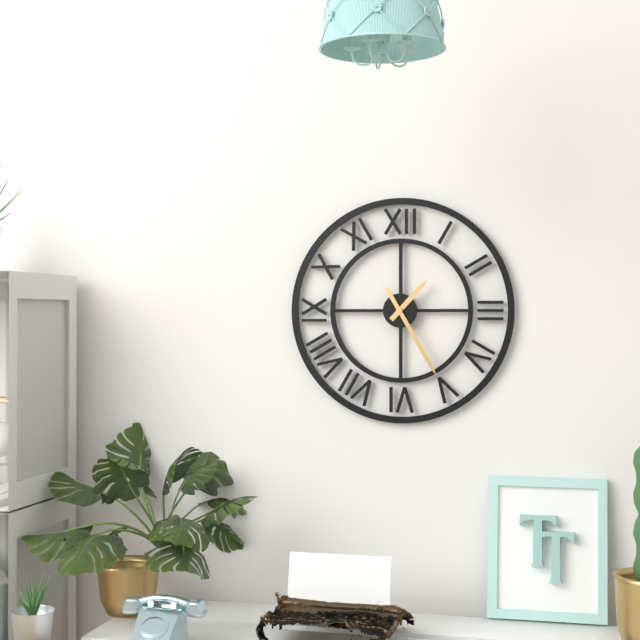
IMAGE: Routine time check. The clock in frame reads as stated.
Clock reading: 1:25
